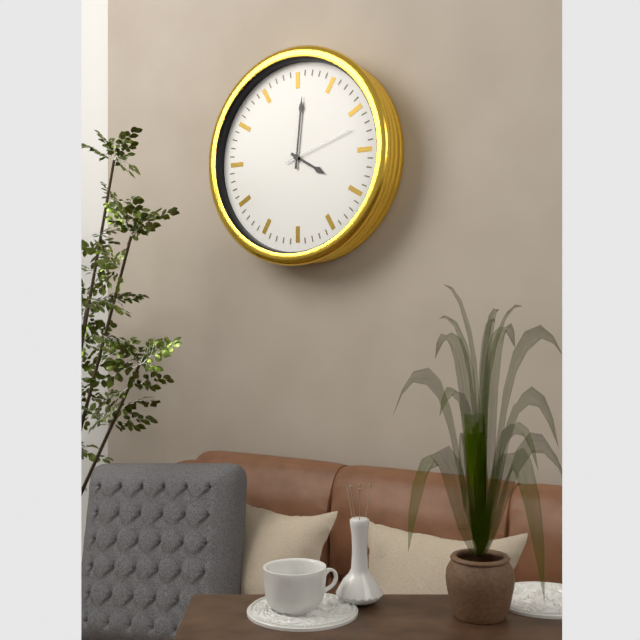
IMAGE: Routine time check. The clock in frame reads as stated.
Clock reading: 4:01:12
